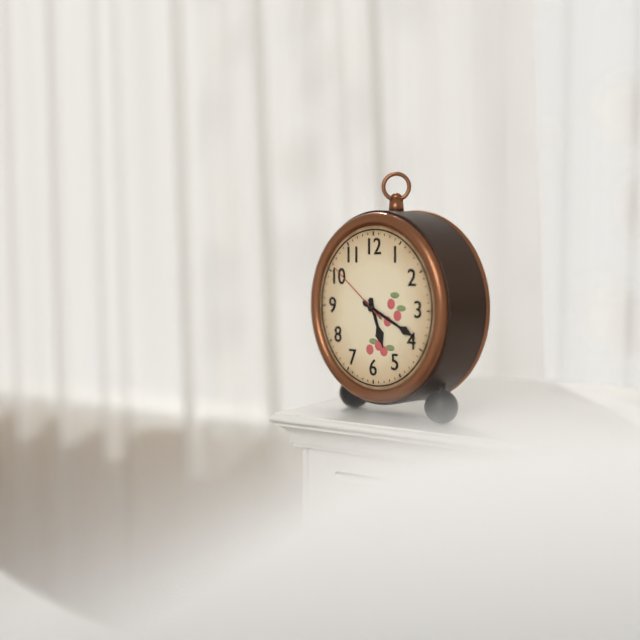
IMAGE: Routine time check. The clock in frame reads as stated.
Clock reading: 5:19:51
